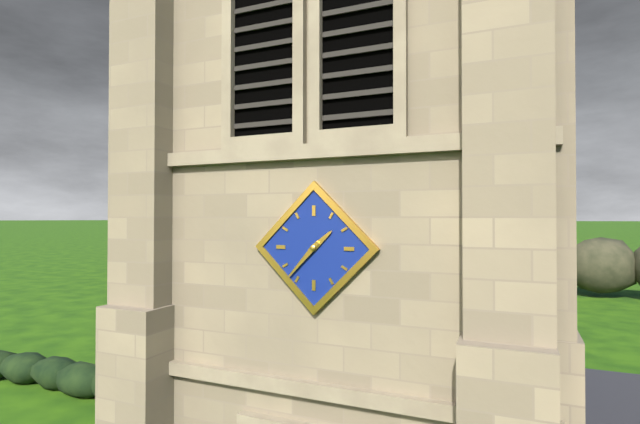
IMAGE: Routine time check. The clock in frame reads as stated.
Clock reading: 1:37
